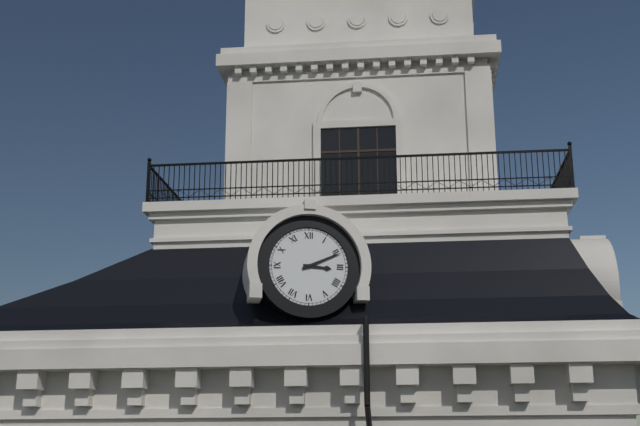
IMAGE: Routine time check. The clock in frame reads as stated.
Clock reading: 3:11
